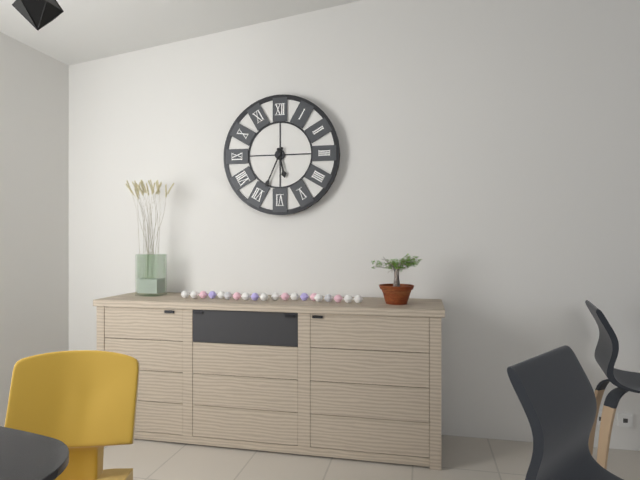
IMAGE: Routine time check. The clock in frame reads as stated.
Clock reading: 5:34
